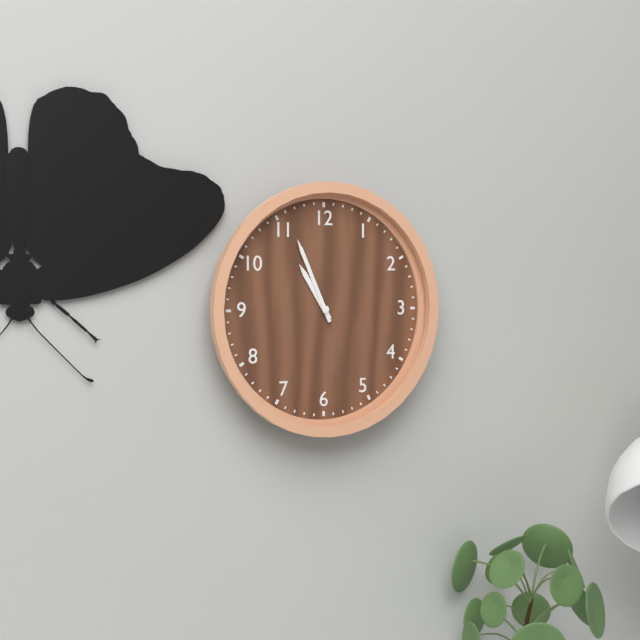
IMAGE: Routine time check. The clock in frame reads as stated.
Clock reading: 10:56
